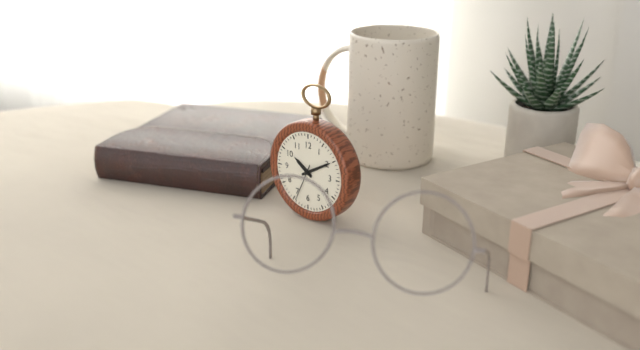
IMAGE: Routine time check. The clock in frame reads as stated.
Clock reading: 10:10
